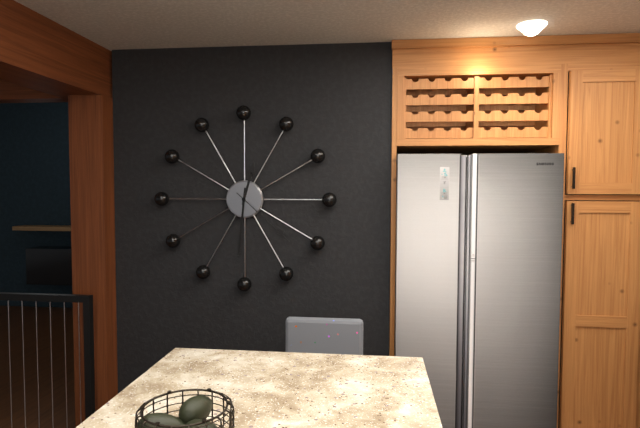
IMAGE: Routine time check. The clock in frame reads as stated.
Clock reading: 12:31:22
